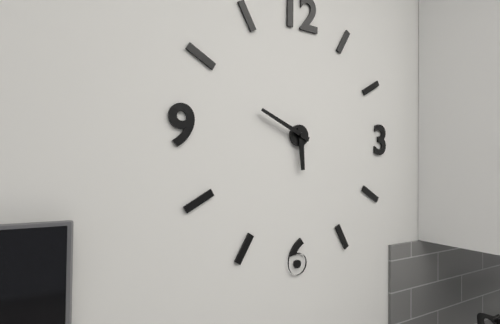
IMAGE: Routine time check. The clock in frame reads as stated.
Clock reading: 5:49
